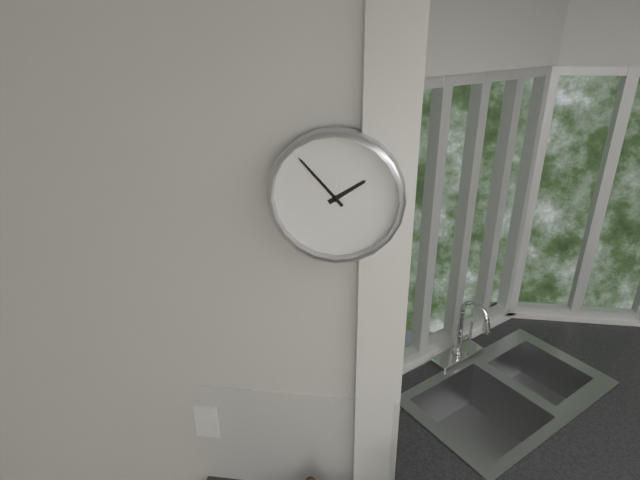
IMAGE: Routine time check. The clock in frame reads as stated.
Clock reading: 1:53
